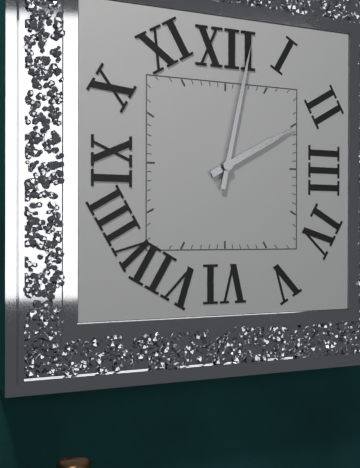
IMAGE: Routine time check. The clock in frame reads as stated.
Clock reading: 2:02
